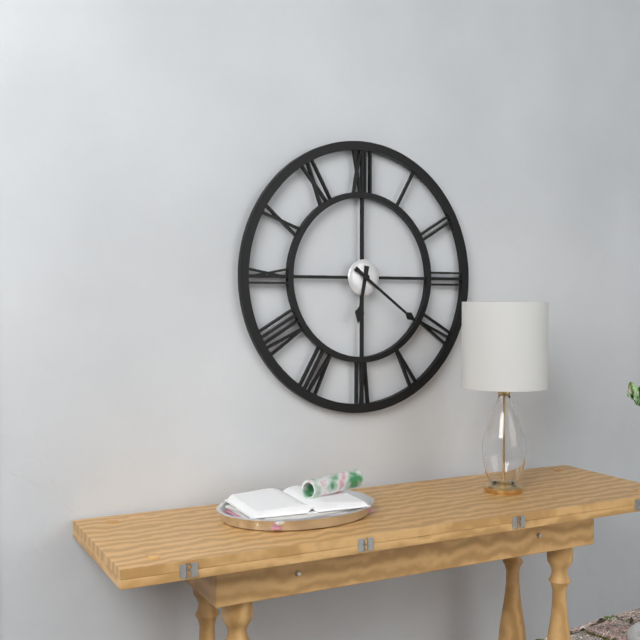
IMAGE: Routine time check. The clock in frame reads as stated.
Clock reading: 6:21
